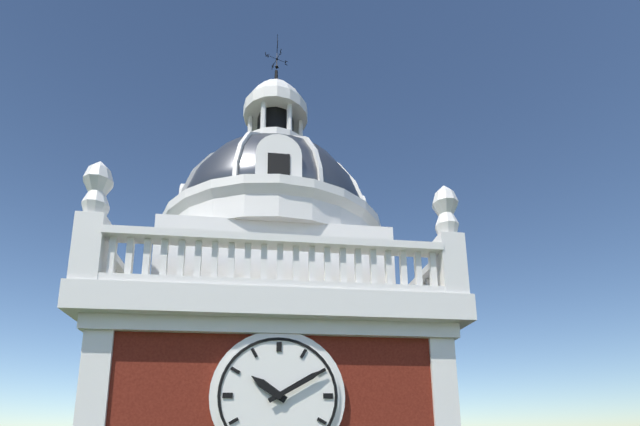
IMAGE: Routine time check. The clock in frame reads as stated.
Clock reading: 10:10
